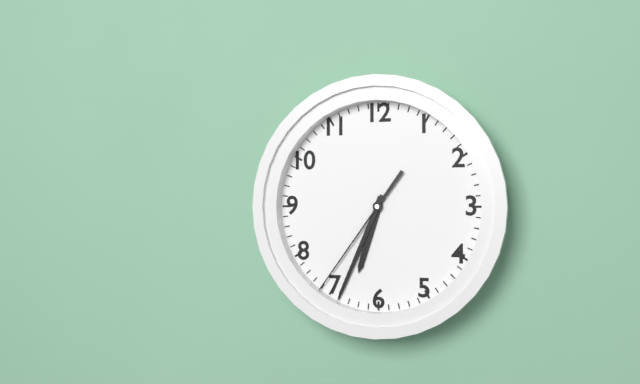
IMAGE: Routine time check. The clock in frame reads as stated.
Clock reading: 6:34:36
